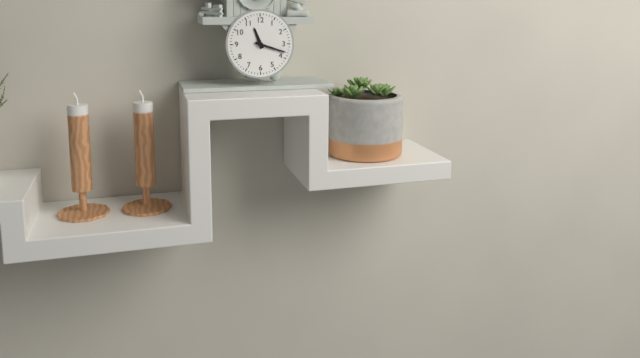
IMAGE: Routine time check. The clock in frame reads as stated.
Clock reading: 11:18
